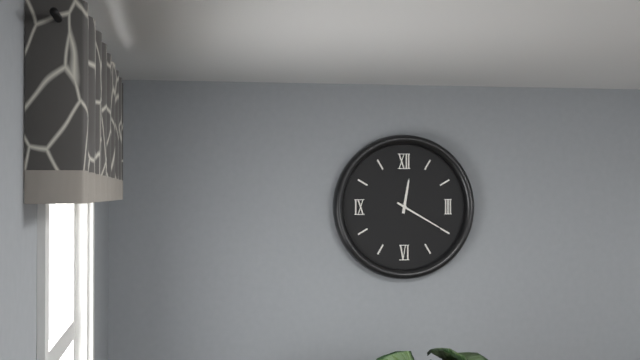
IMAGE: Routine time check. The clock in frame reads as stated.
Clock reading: 12:20
